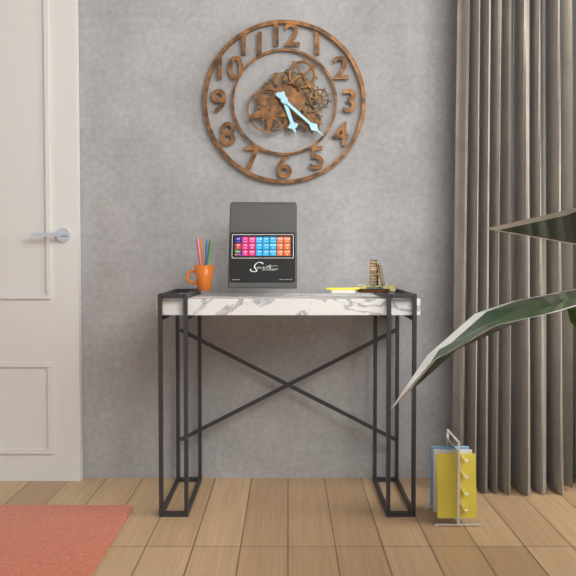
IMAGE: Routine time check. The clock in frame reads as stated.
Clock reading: 5:22
